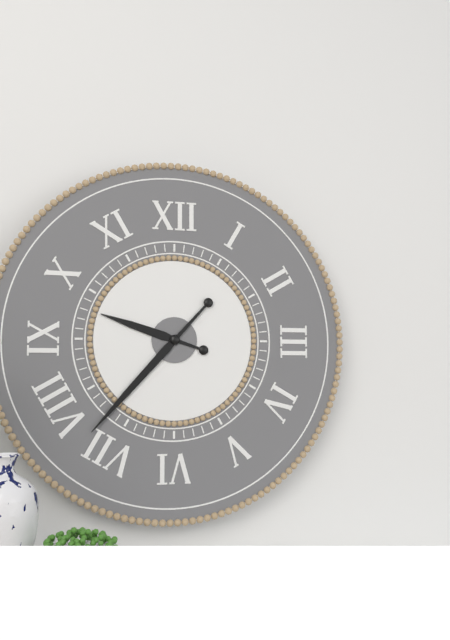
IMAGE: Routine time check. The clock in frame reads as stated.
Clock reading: 9:37
